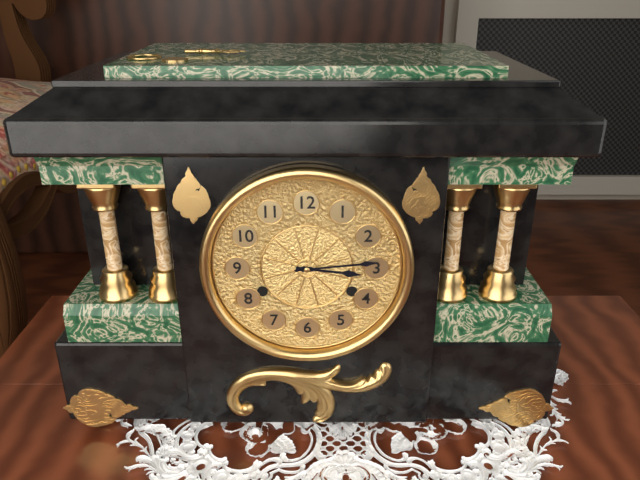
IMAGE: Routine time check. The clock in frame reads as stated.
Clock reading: 3:14
